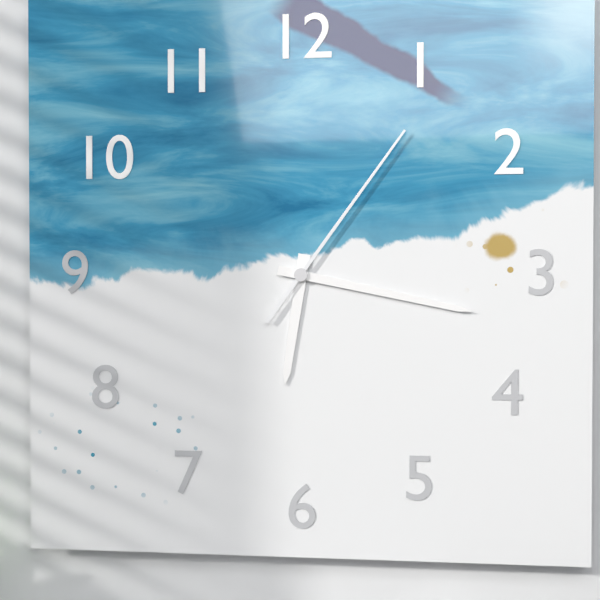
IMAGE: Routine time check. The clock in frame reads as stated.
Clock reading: 6:17:06
